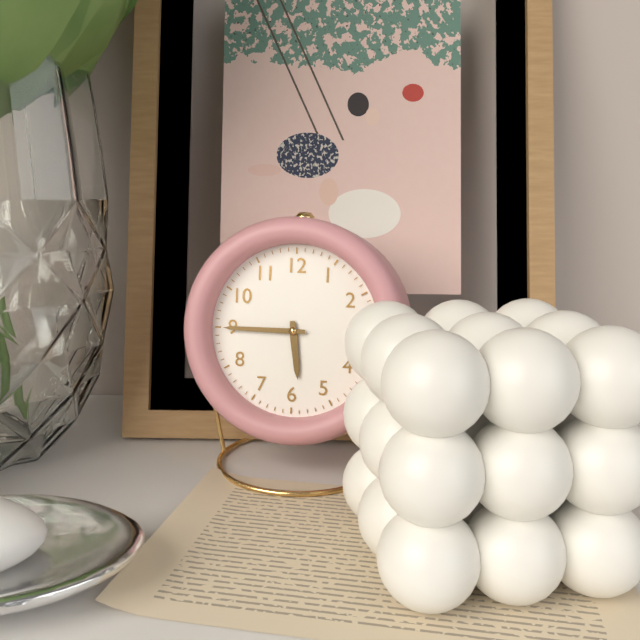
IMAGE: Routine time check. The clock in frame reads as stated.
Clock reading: 5:45
